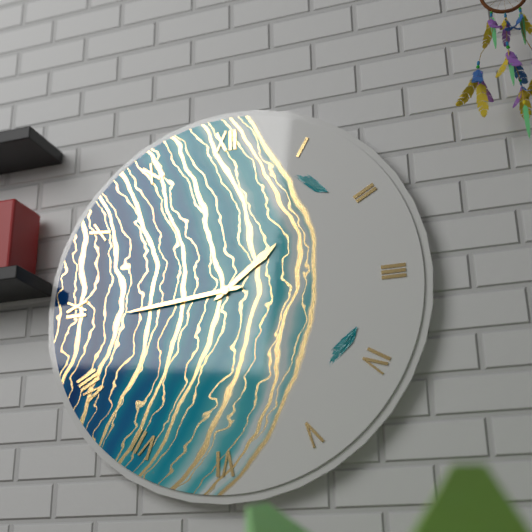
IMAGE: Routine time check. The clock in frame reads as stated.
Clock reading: 1:44
